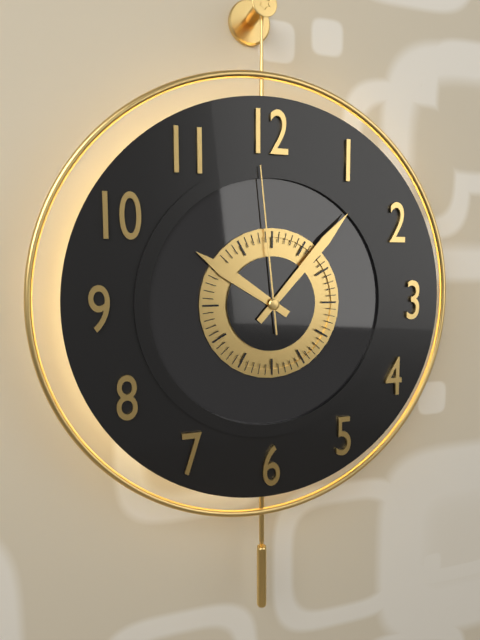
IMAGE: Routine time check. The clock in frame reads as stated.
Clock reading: 10:07:59
